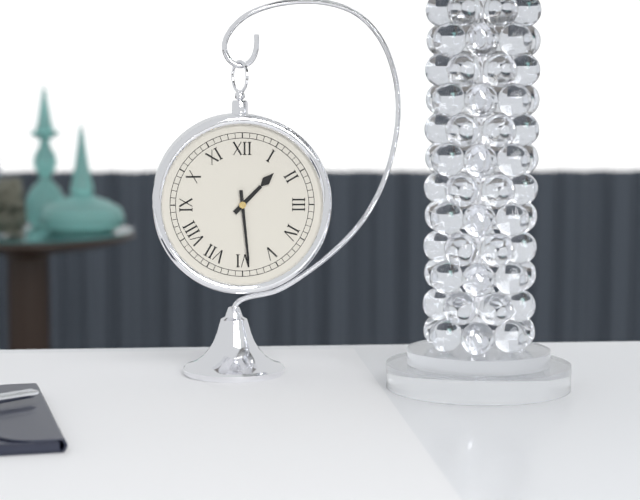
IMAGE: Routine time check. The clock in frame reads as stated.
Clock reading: 1:29
